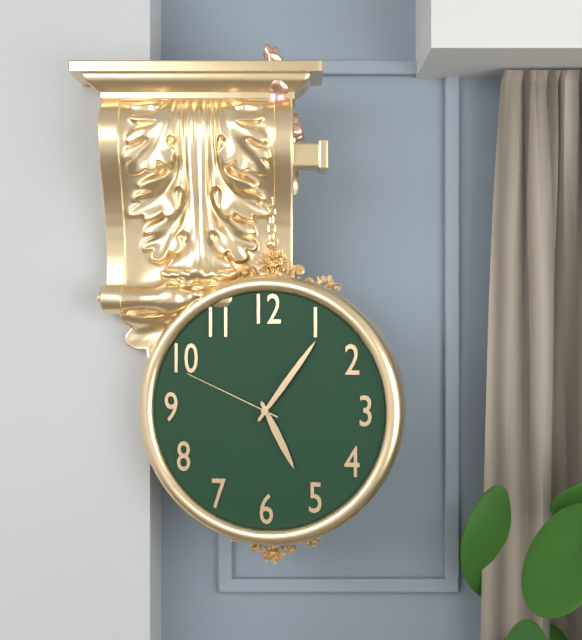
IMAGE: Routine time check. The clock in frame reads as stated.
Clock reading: 5:06:49
